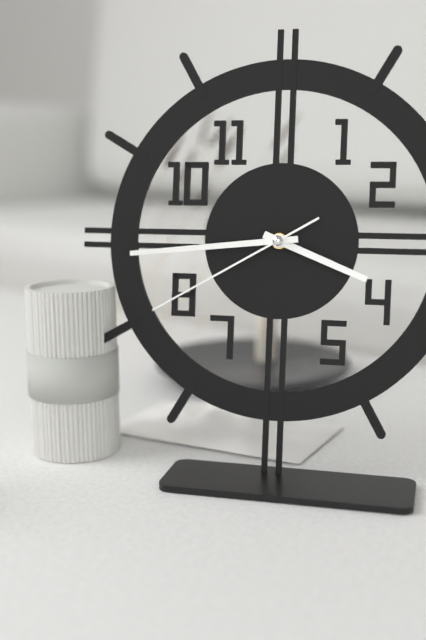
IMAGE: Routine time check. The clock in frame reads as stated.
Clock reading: 3:44:40
